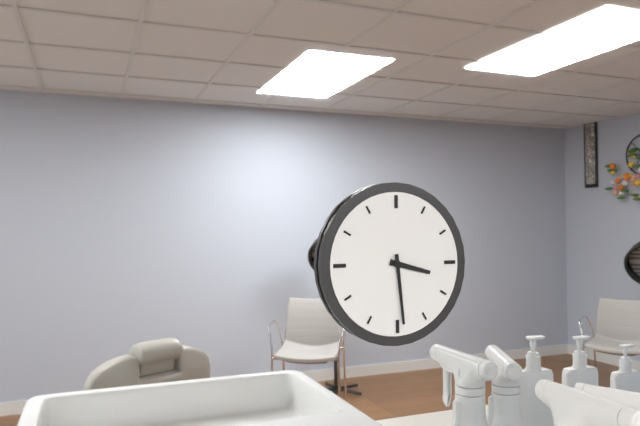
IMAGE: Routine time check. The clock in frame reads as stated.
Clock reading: 3:29
